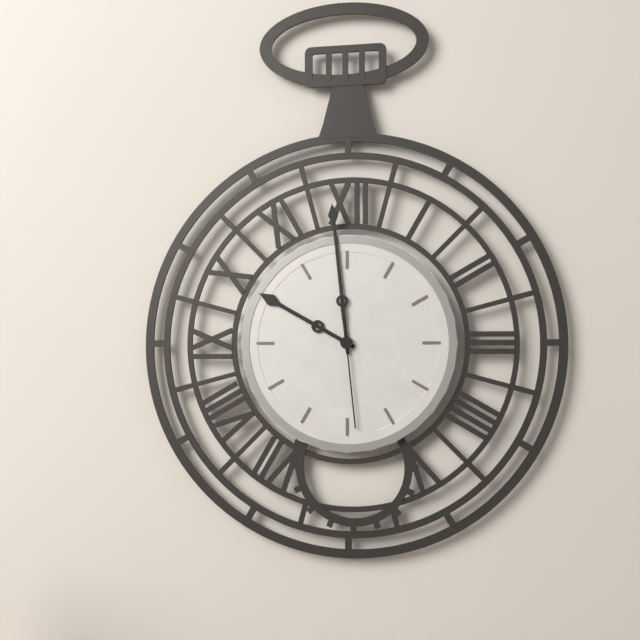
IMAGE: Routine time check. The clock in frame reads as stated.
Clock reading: 9:59:29
